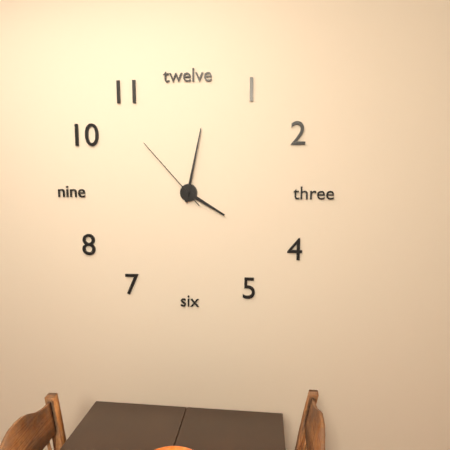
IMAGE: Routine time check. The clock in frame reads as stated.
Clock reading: 4:02:53
